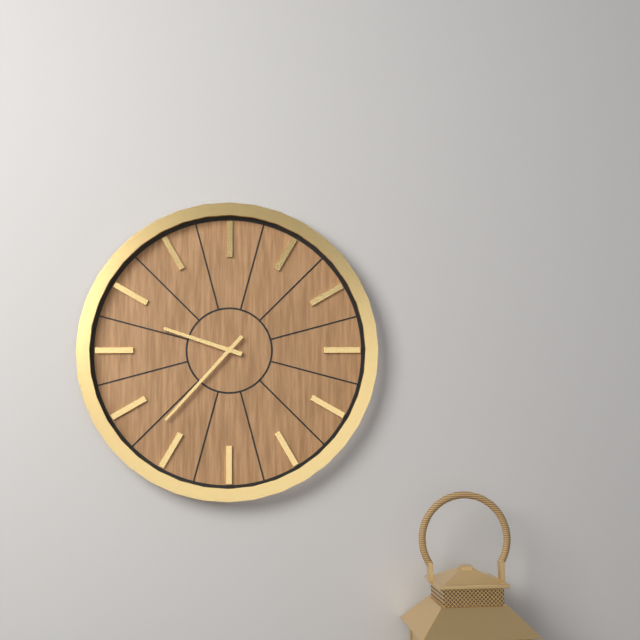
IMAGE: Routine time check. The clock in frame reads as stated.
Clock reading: 9:37
